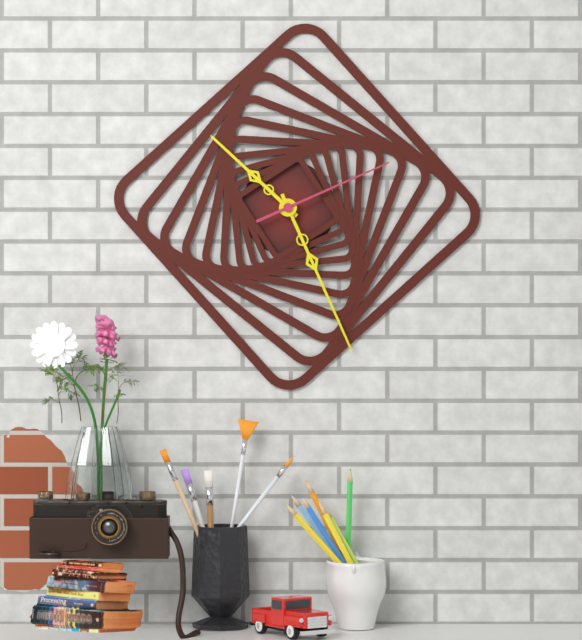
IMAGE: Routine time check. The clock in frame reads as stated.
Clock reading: 10:26:11
